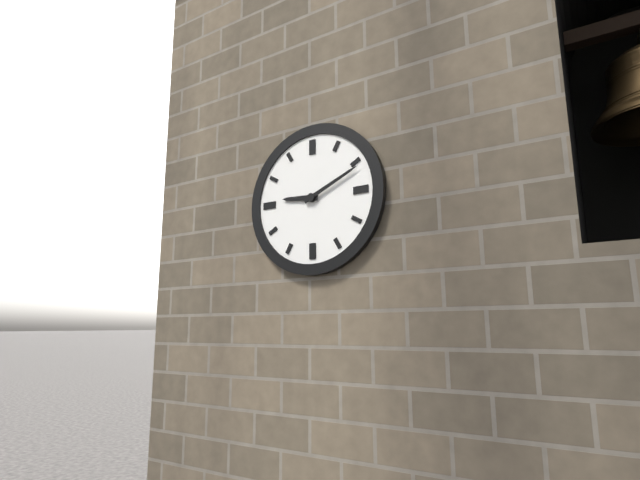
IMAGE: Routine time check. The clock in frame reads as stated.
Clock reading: 9:11
